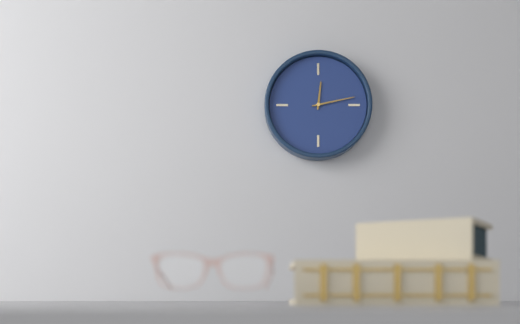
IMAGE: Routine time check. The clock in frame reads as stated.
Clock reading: 12:13
